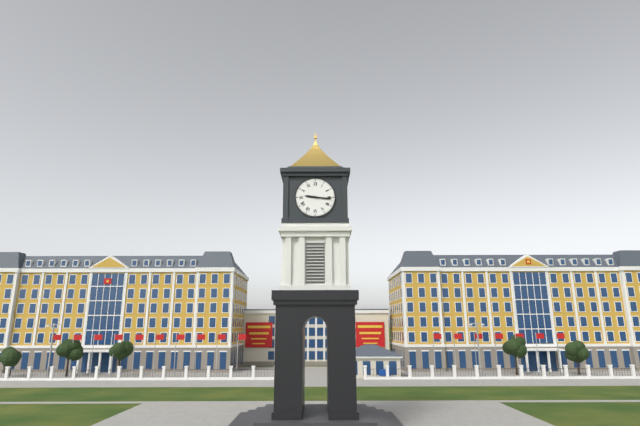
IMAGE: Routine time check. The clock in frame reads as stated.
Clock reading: 9:16
